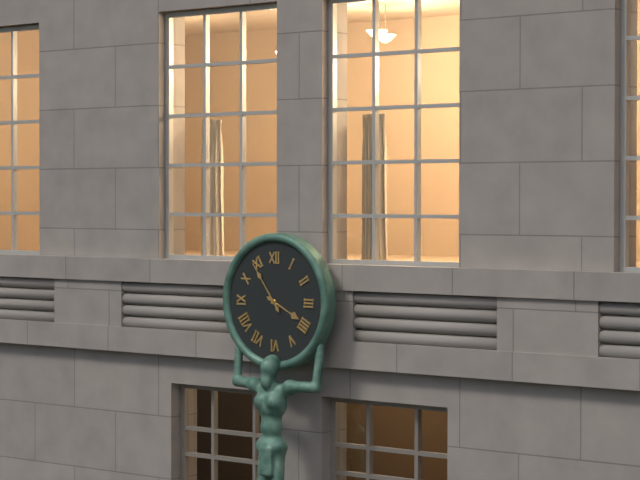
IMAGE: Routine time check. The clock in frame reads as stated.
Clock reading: 3:54
